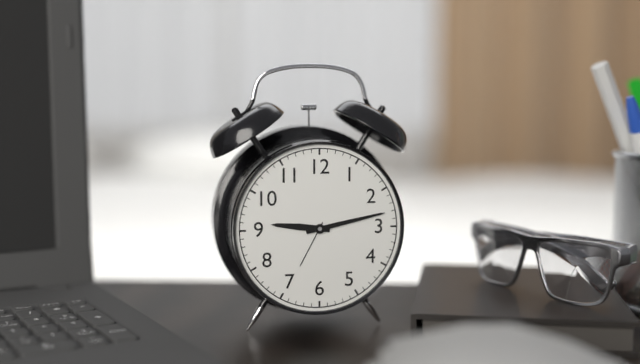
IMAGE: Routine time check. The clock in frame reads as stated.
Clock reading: 9:13
